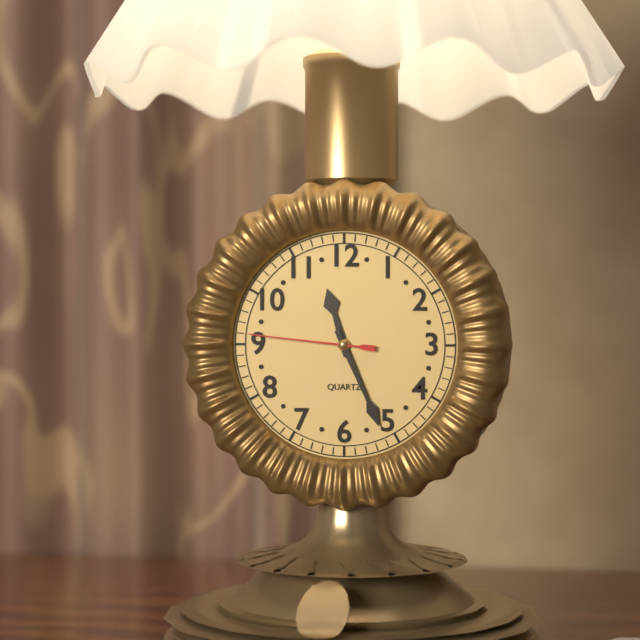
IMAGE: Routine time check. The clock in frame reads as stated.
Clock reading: 11:26:46
